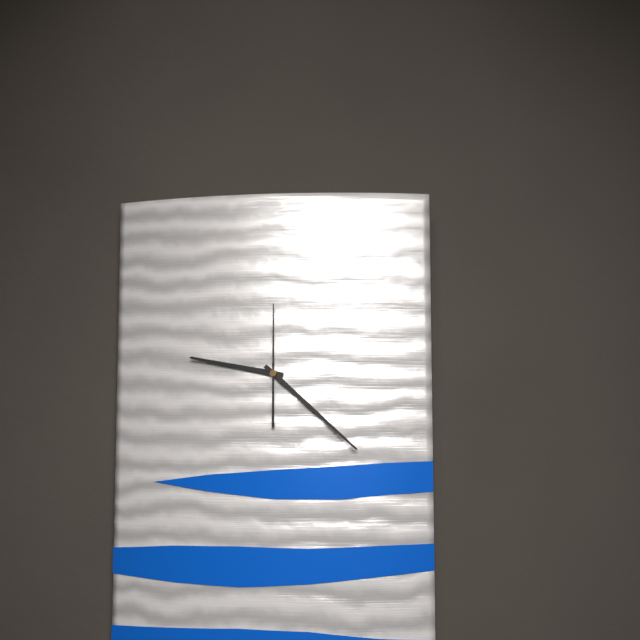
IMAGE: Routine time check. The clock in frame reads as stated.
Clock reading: 9:22:00
